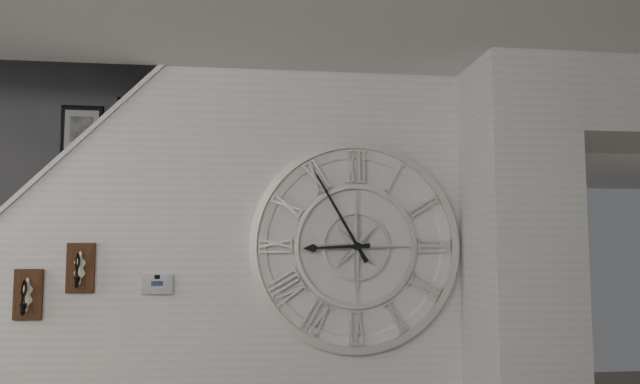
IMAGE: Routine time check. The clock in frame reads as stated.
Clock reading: 8:55
